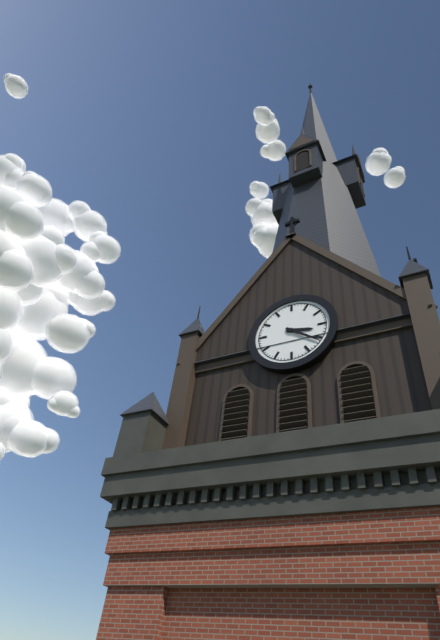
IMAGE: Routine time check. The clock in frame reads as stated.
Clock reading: 3:21
